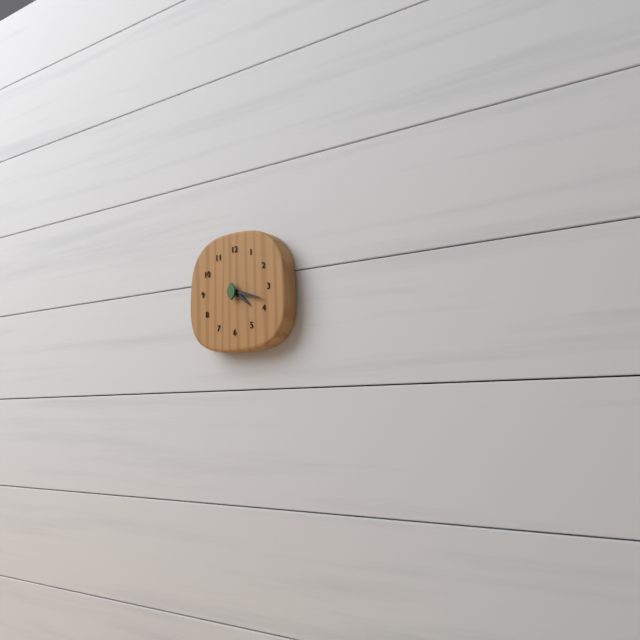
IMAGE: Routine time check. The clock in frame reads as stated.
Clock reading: 4:18
